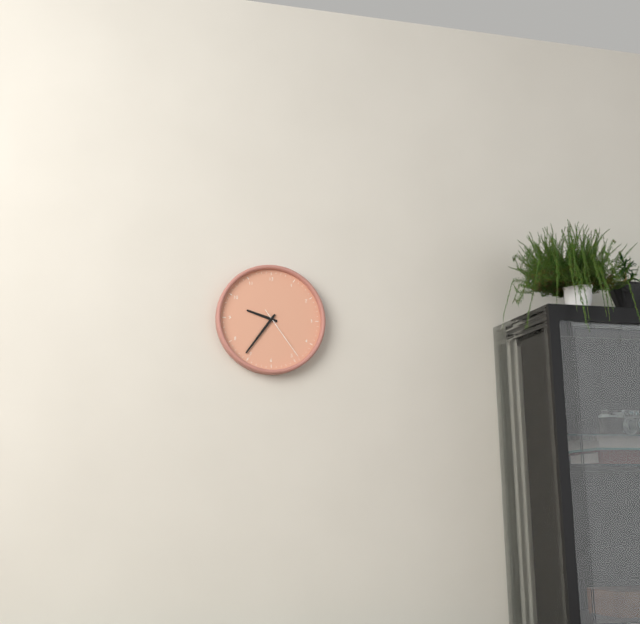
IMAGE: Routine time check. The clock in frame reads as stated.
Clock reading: 9:36:24
